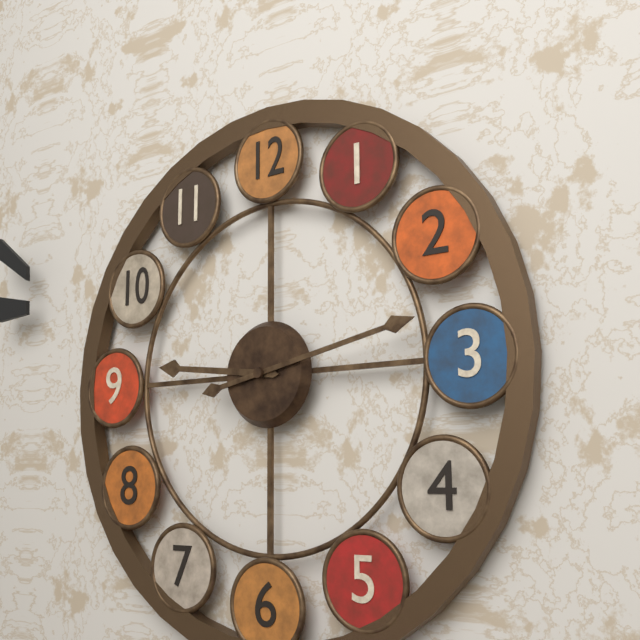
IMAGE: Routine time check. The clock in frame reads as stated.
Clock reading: 9:13
